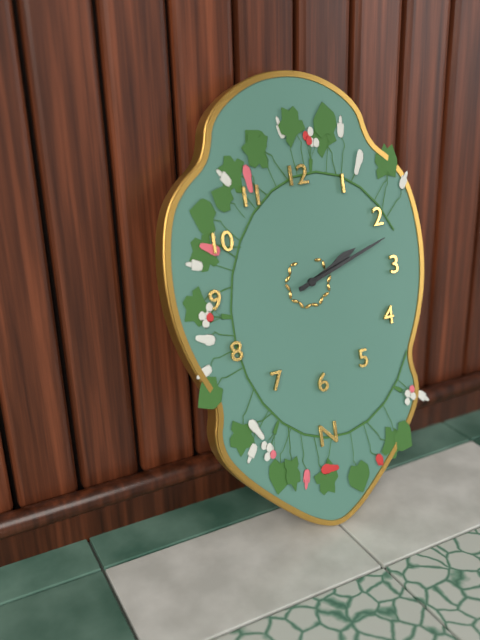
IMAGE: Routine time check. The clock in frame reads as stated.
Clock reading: 2:12
